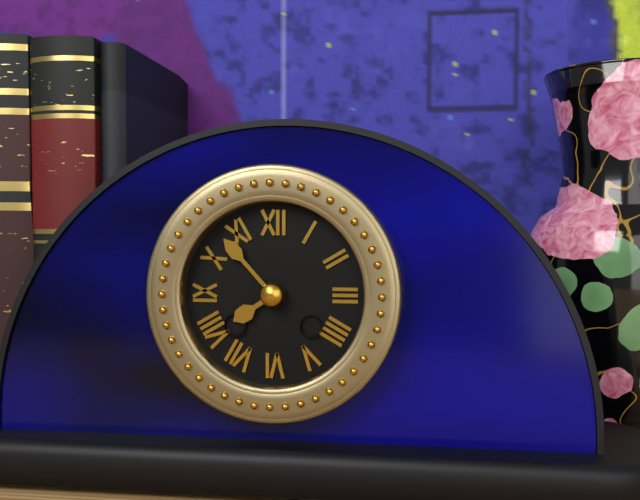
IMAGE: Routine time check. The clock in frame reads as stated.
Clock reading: 7:53
